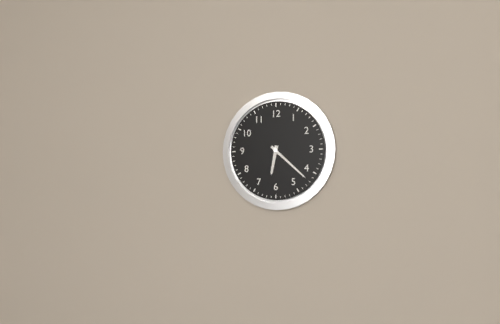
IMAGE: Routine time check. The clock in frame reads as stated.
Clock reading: 6:22
